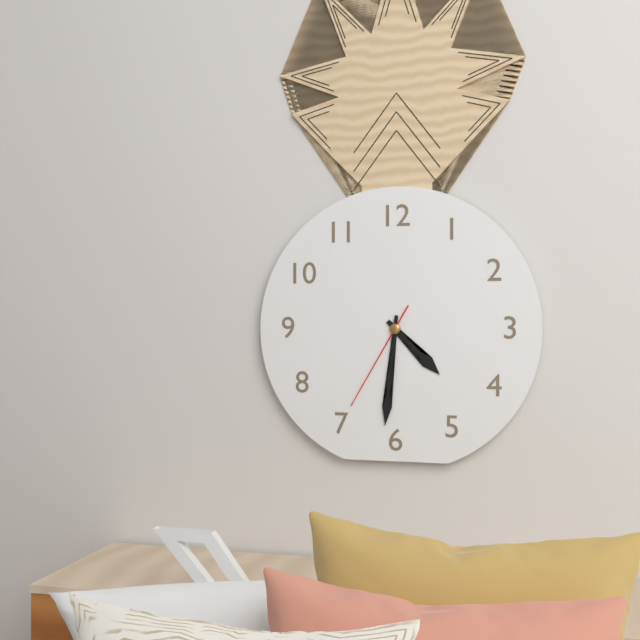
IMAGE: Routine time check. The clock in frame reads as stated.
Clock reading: 4:31:35
